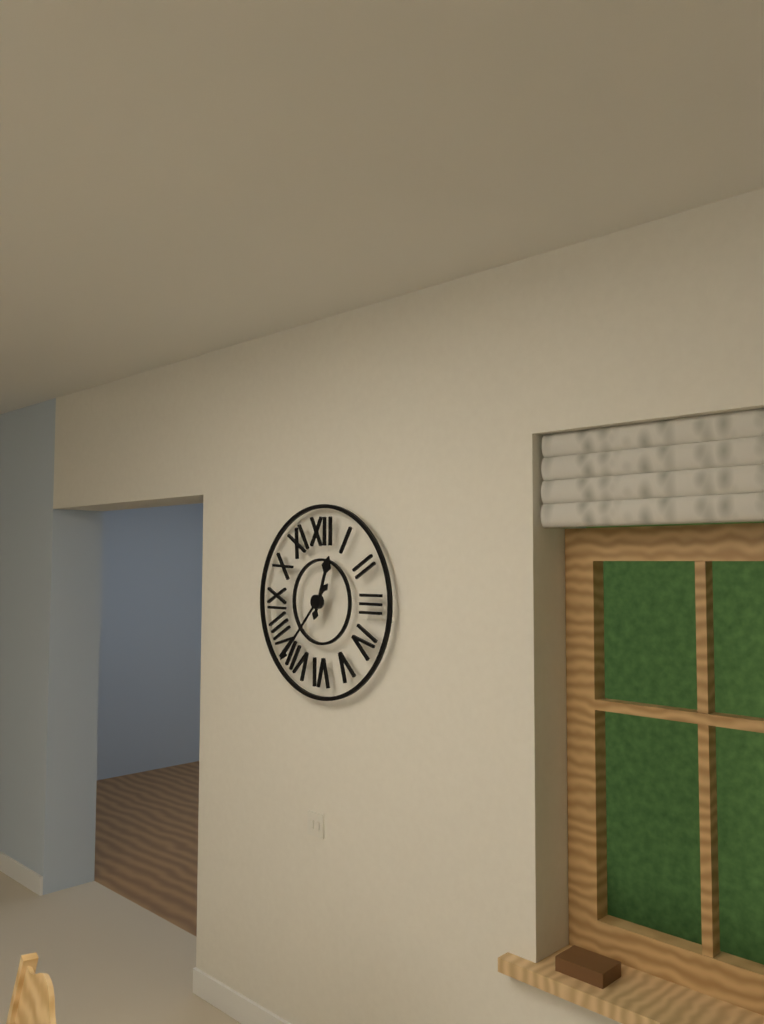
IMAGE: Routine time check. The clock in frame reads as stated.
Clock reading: 12:37
